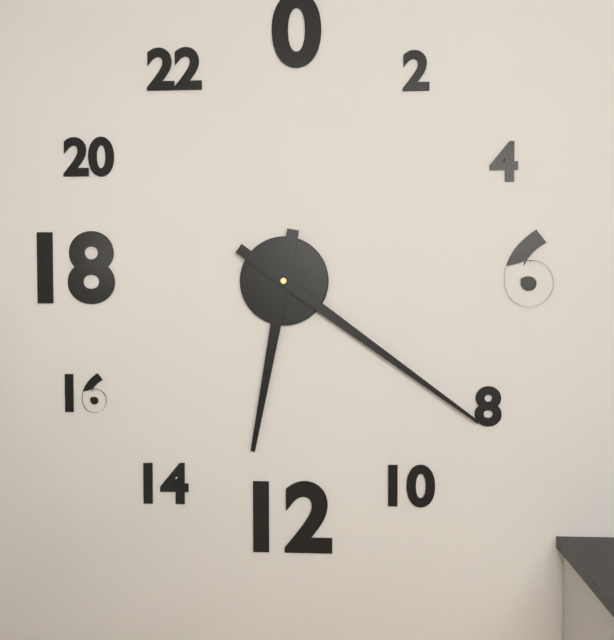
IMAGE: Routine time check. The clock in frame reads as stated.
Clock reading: 6:21
